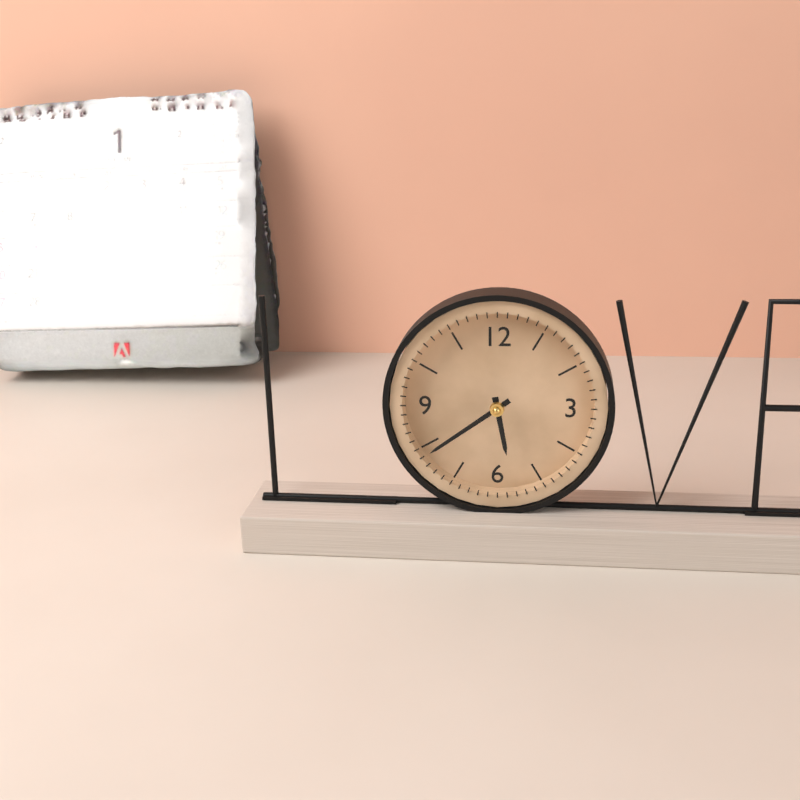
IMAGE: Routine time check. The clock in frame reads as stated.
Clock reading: 5:39
